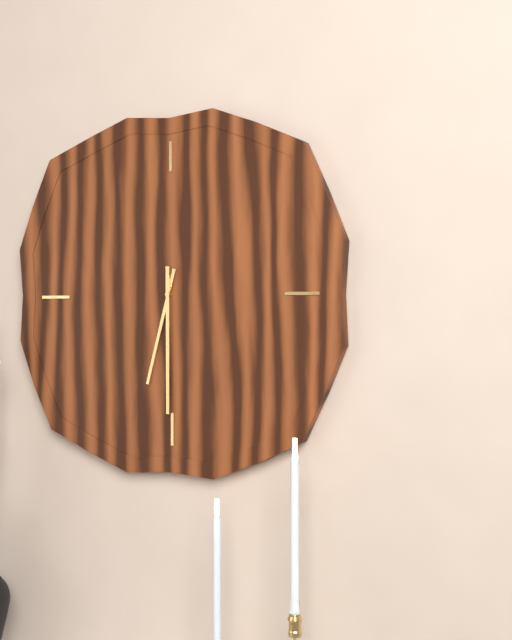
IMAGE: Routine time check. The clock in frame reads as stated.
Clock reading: 6:30
